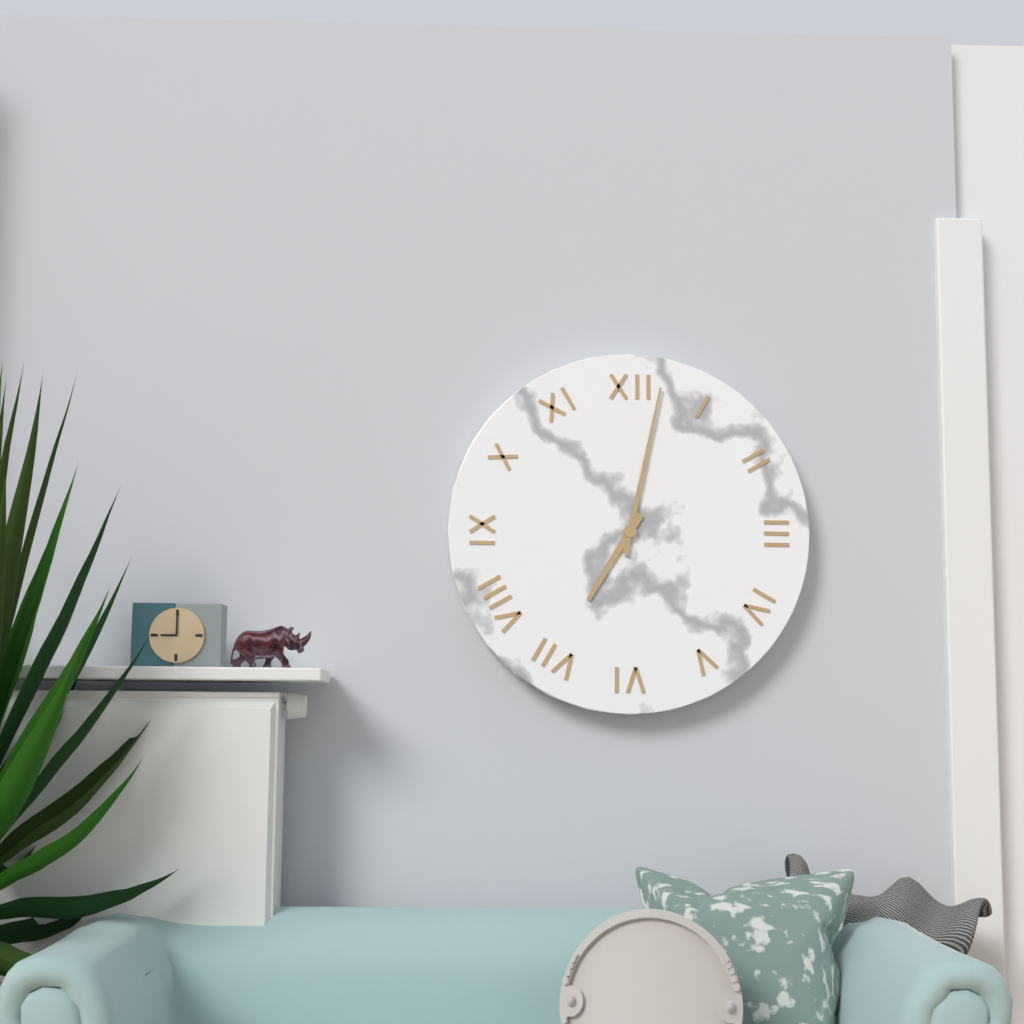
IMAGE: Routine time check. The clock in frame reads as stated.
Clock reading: 7:02
